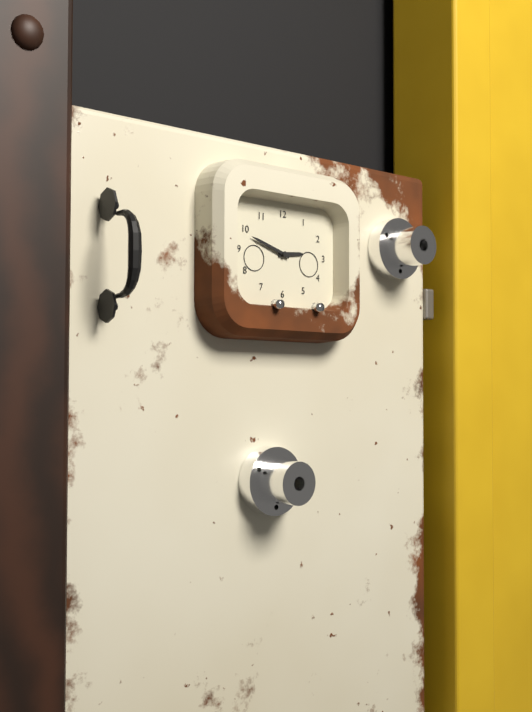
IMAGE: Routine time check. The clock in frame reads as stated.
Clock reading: 2:48
